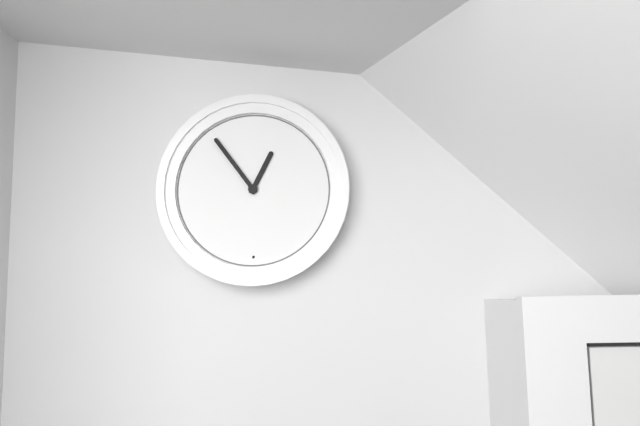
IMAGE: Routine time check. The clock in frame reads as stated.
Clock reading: 12:54
